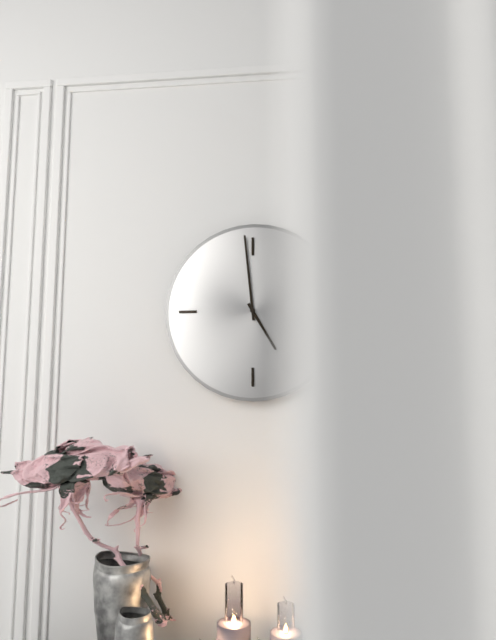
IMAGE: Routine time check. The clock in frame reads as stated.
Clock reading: 4:59
